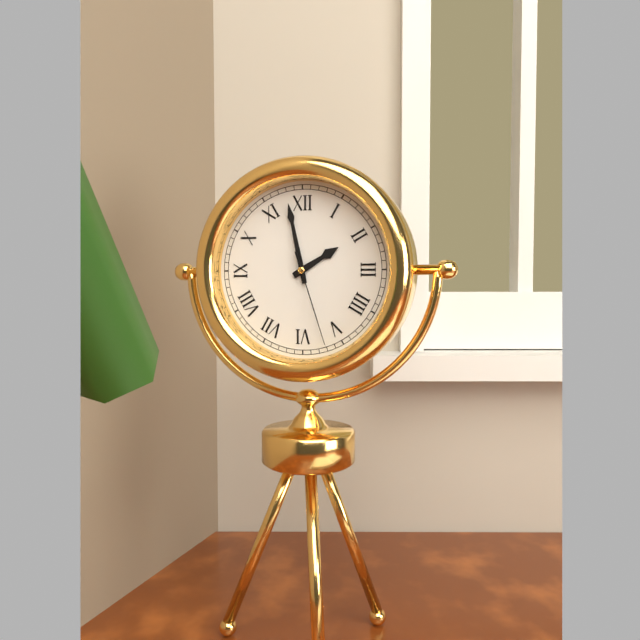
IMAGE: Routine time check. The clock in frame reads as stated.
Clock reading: 1:58:27
